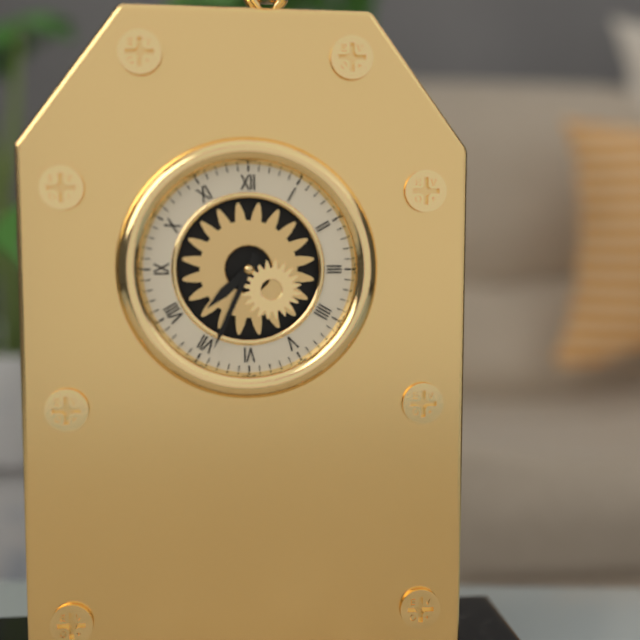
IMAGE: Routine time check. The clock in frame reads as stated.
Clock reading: 7:34
